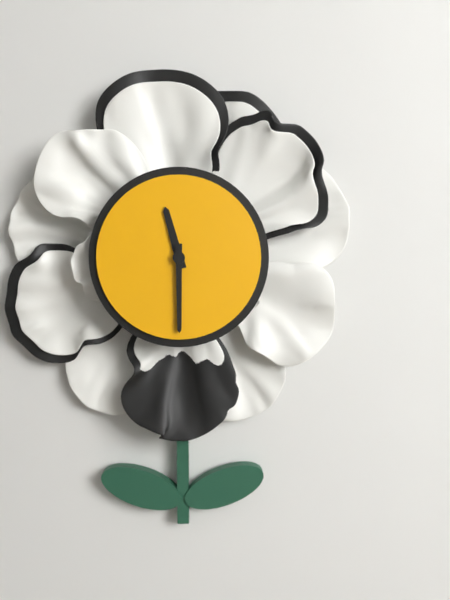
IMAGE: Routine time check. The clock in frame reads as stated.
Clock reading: 11:30
